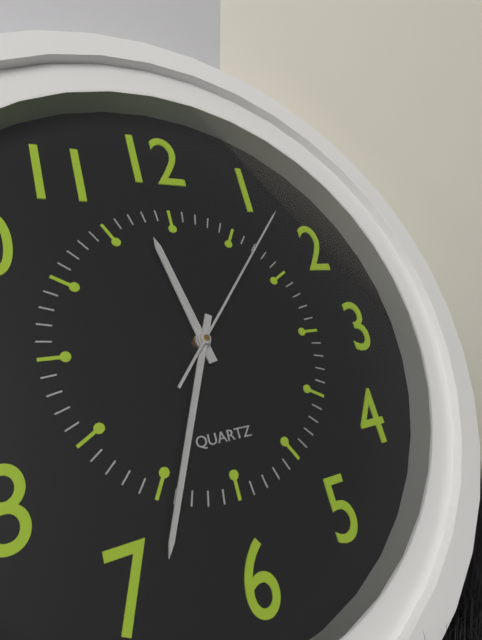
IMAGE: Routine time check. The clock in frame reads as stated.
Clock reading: 11:34:07
